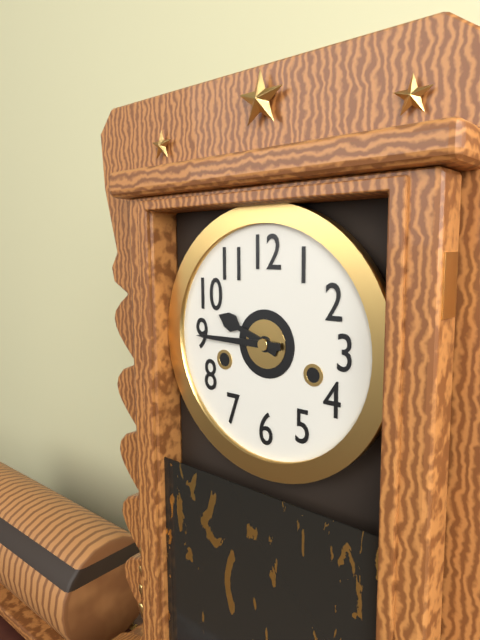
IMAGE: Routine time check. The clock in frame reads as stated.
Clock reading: 9:45
